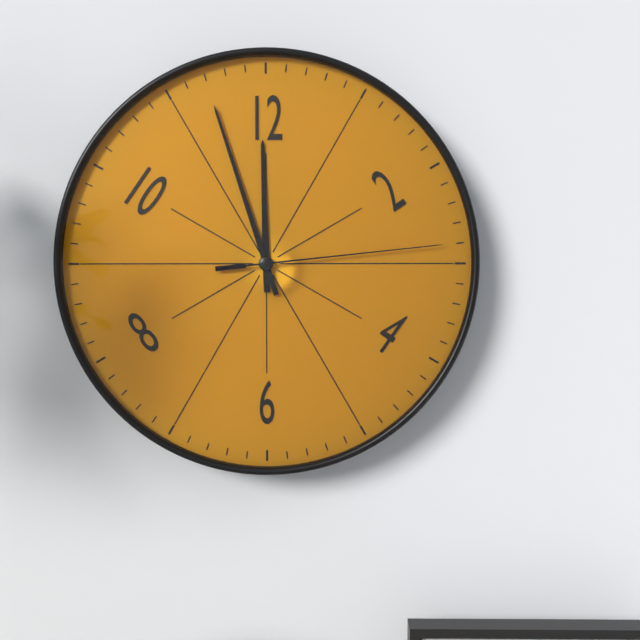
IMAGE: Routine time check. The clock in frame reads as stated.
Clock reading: 11:57:14
